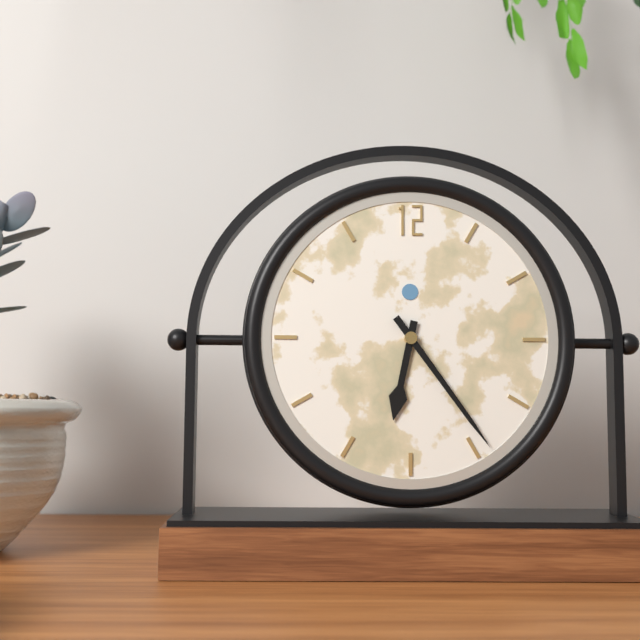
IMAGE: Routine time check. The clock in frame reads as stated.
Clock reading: 6:24
